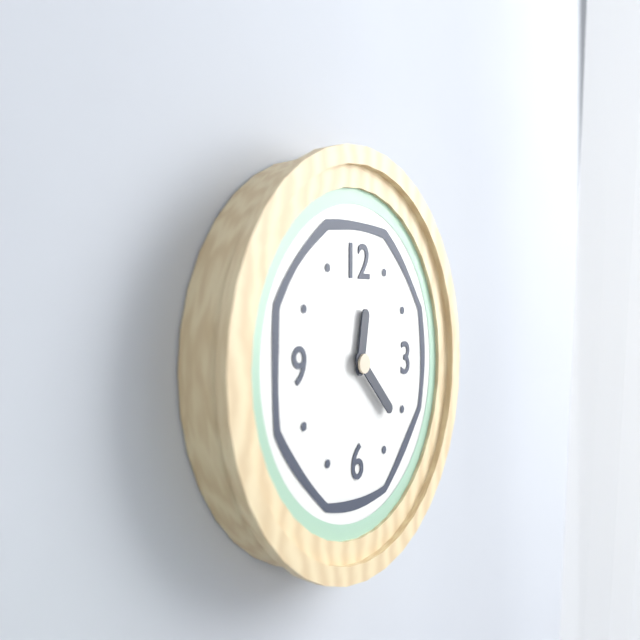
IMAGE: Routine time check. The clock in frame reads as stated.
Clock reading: 12:22
